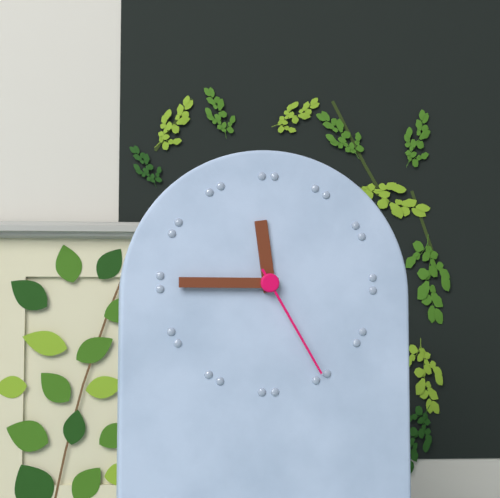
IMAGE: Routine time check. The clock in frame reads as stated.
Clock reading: 11:45:25
